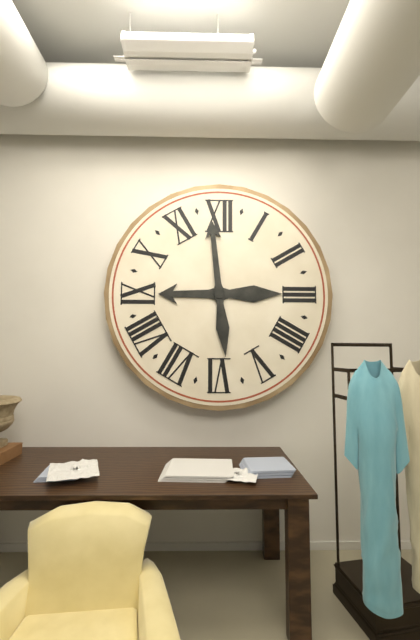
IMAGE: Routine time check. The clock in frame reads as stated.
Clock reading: 8:59
